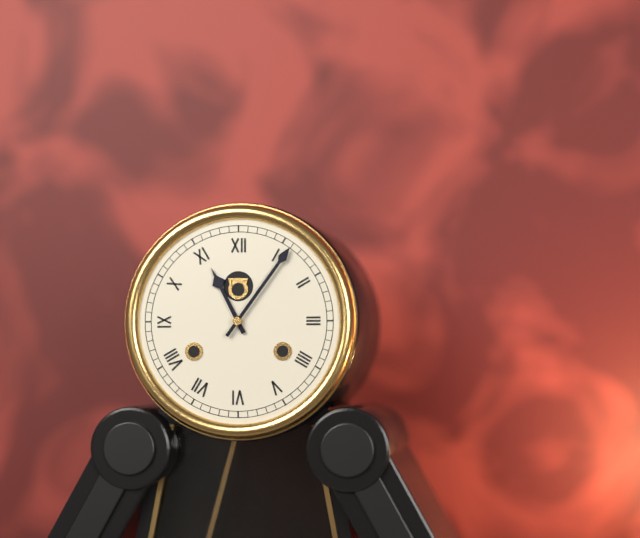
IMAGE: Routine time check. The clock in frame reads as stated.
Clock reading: 11:06
